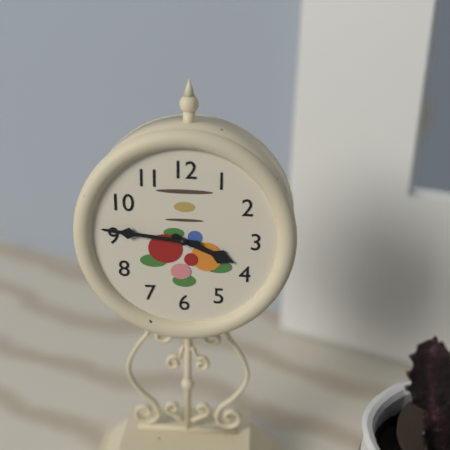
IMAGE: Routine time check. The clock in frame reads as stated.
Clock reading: 3:46
